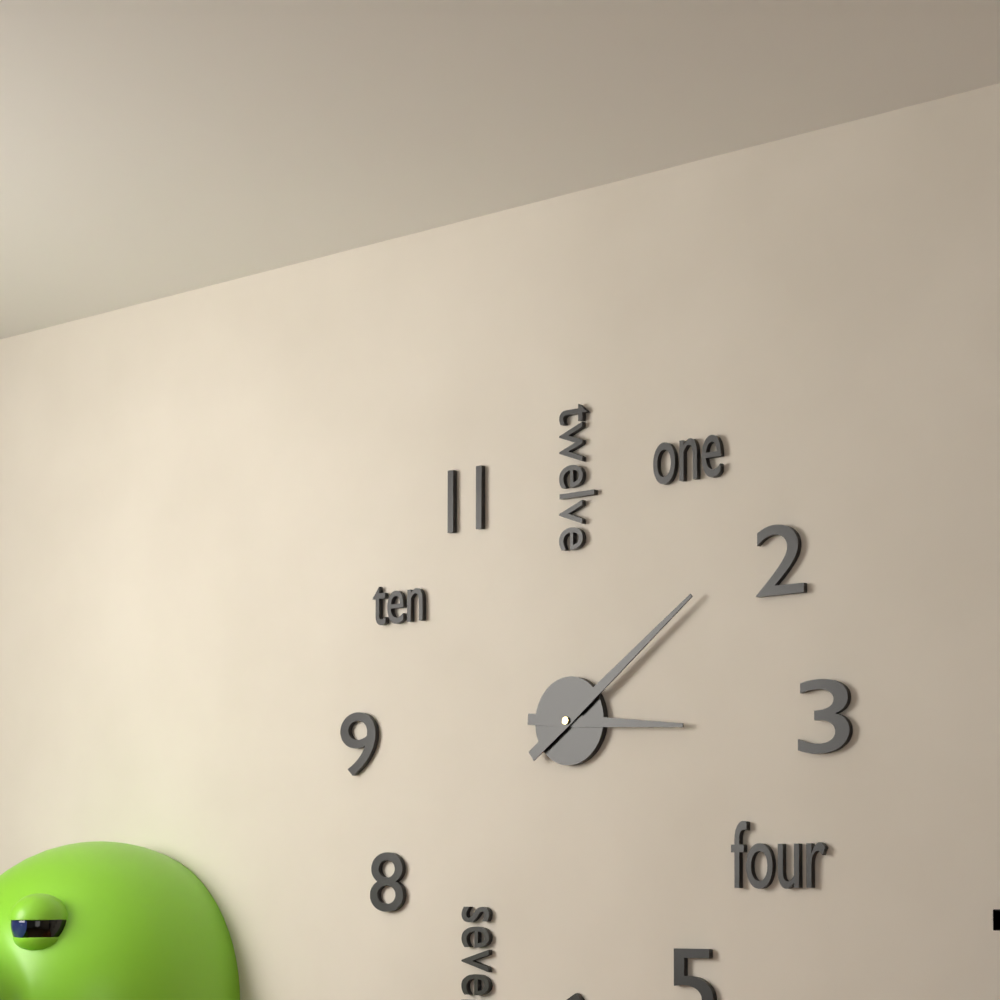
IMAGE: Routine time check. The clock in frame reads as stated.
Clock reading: 3:09
